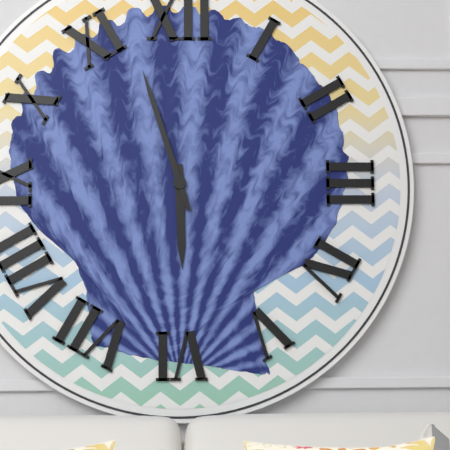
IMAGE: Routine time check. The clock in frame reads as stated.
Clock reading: 5:57
